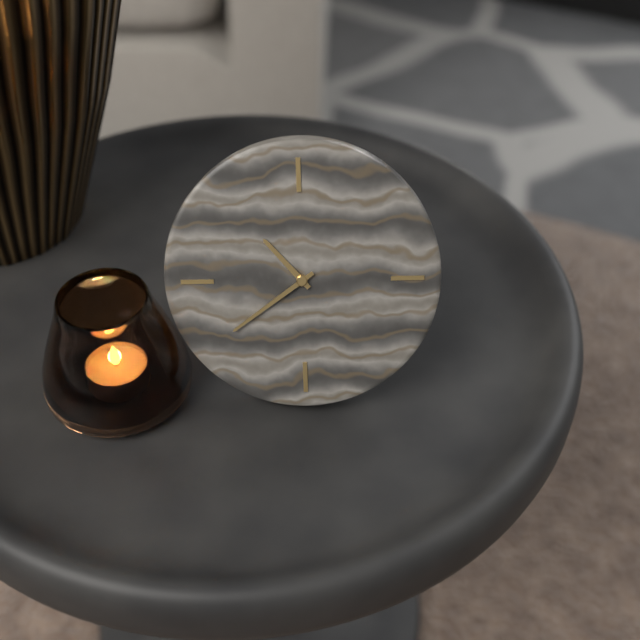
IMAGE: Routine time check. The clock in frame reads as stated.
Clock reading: 10:39
